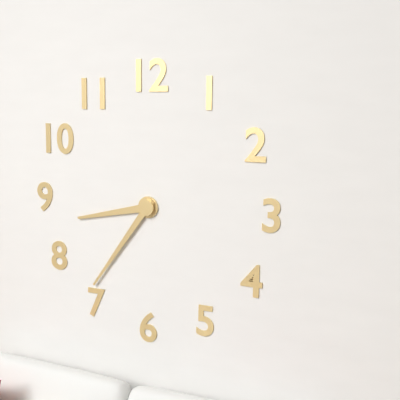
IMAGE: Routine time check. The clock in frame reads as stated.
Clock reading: 8:36
